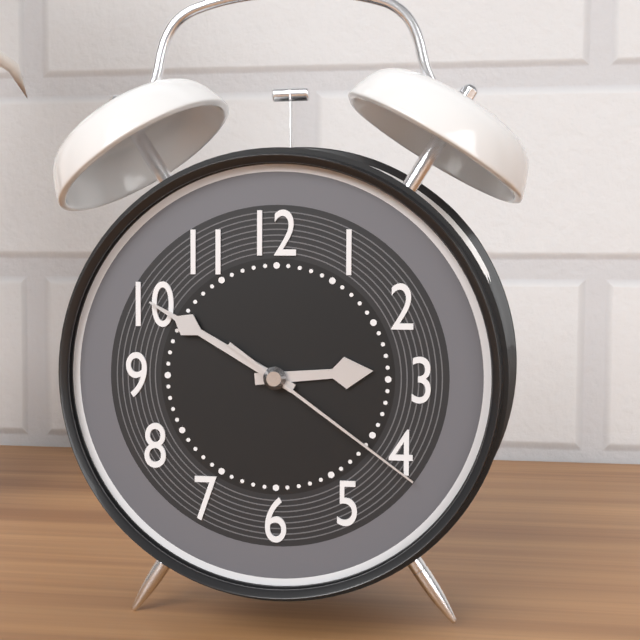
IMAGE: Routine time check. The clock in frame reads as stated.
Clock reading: 2:50:21
